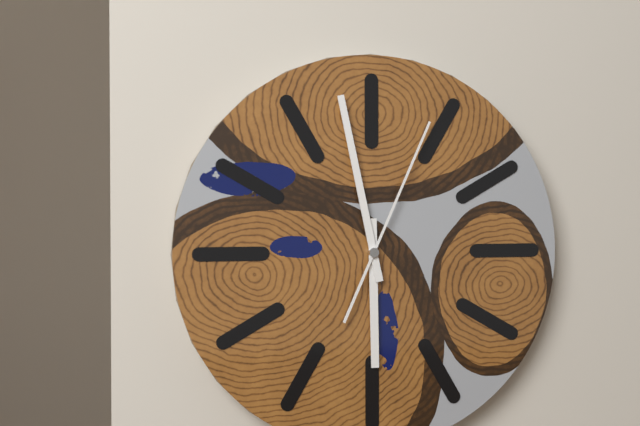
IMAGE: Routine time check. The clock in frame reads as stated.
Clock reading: 5:58:04
